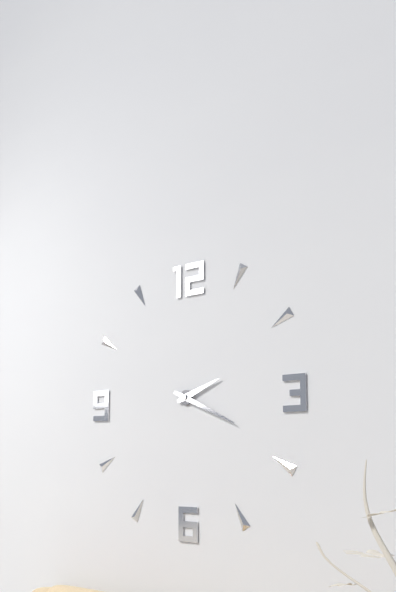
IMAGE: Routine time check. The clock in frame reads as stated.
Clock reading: 2:19
